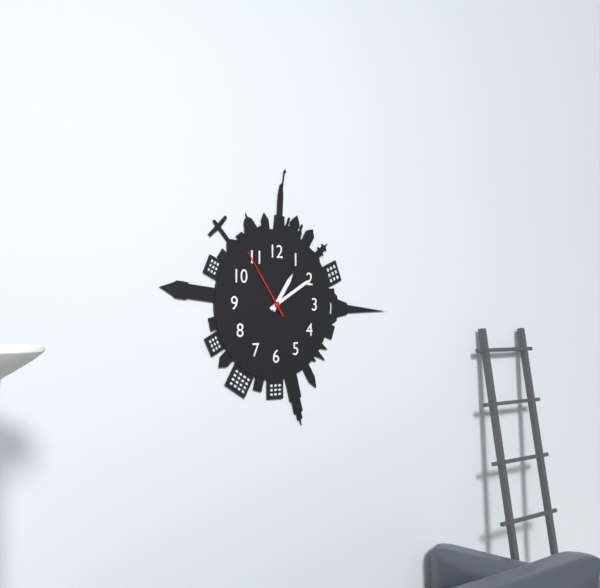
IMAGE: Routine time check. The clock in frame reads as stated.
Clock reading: 1:10:54
